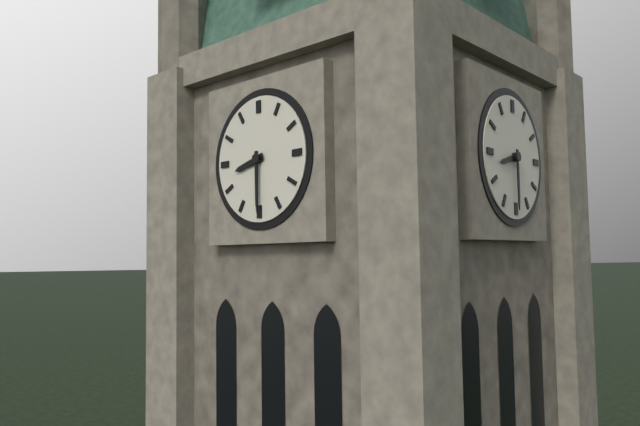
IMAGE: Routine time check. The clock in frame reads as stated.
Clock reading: 8:30
